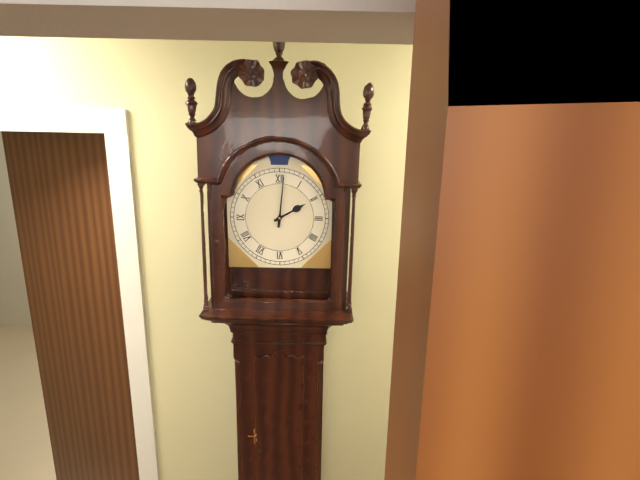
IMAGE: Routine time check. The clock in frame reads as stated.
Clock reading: 2:01
